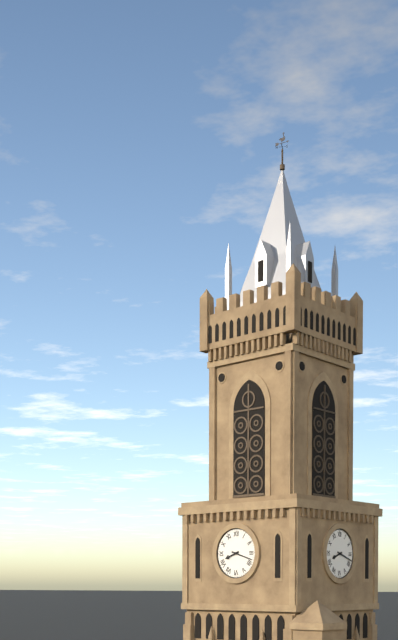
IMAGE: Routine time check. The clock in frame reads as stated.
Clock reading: 8:18
